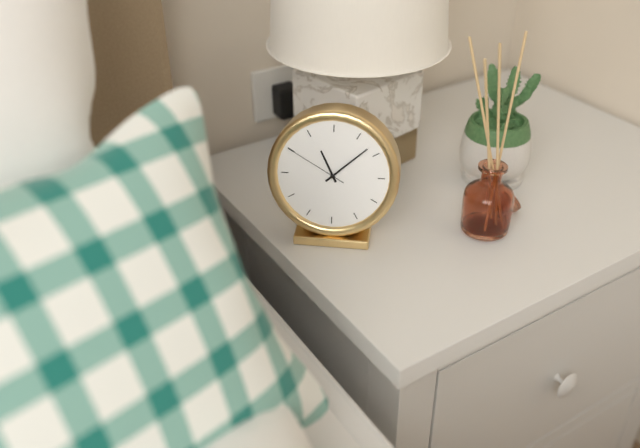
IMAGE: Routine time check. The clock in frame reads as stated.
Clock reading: 11:08:50
